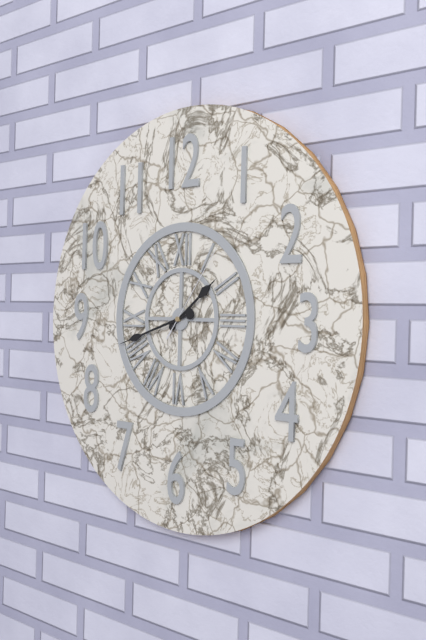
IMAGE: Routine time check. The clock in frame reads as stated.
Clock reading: 1:42:06
